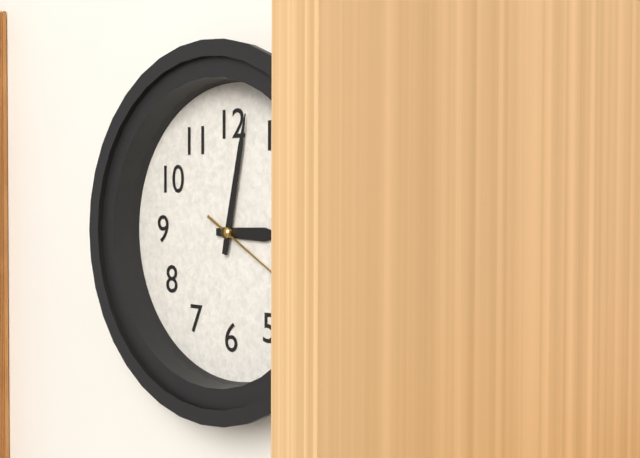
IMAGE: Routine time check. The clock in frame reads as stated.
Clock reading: 3:02
